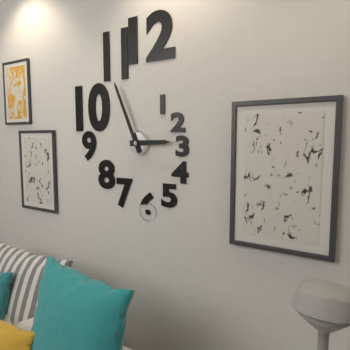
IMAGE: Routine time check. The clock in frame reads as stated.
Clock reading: 2:56
